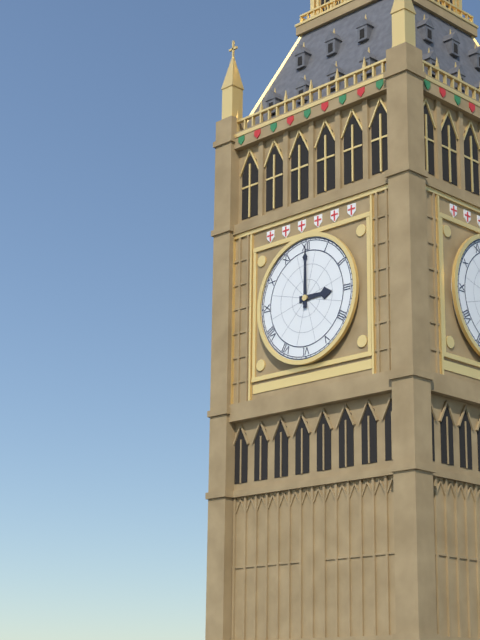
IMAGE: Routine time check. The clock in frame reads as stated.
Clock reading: 3:00
